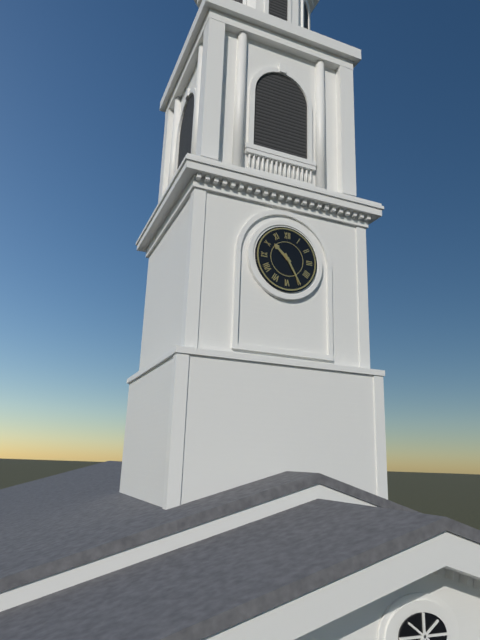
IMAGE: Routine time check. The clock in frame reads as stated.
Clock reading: 10:25
